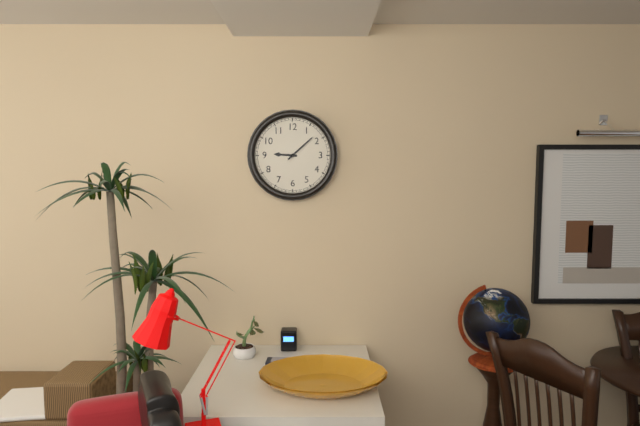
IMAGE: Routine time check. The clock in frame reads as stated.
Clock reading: 9:08
